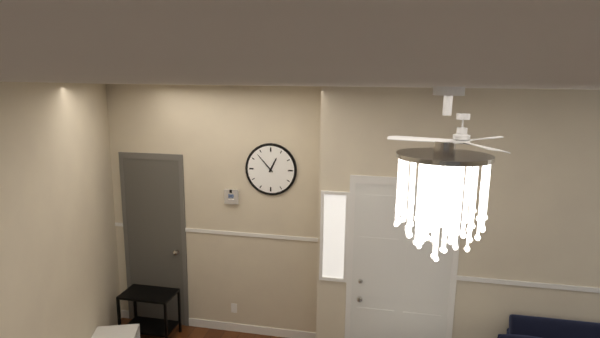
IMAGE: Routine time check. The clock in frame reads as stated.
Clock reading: 12:53
